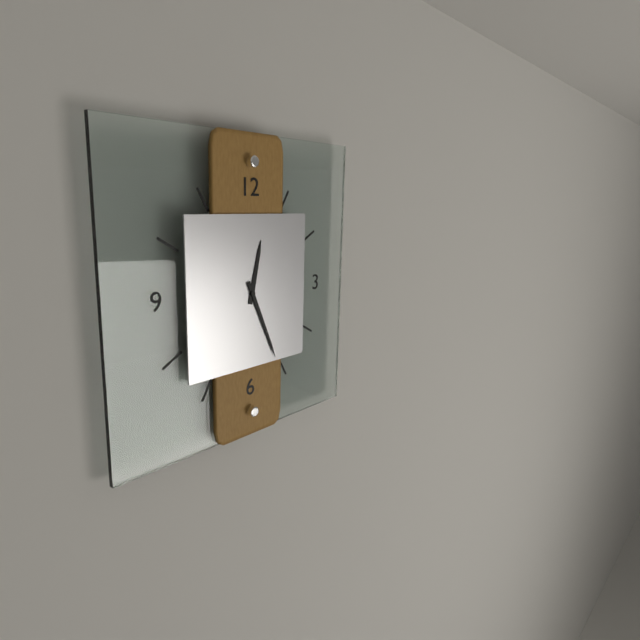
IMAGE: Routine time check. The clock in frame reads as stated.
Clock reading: 12:26
